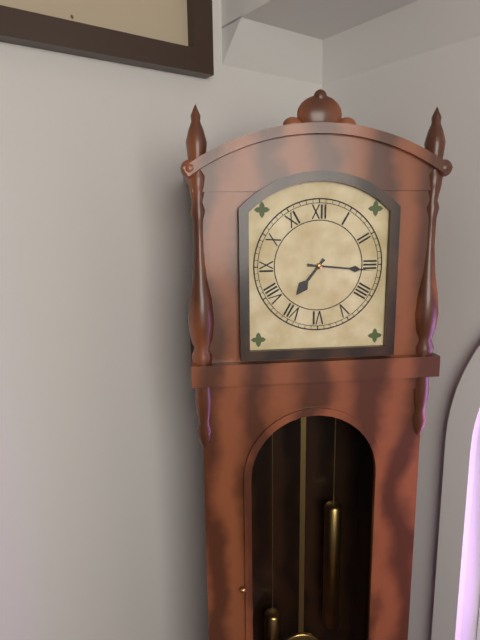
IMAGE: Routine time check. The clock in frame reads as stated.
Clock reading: 7:16
